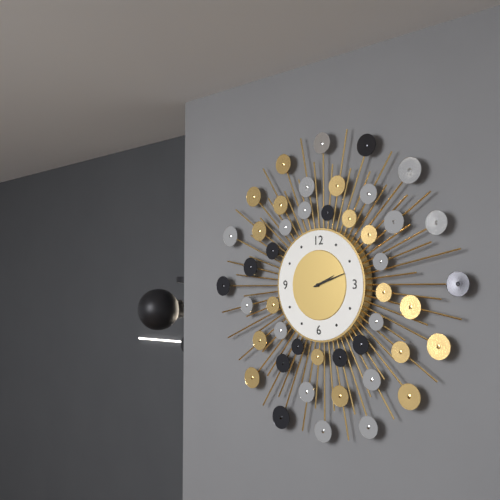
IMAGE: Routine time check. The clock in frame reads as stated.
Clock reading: 2:12
